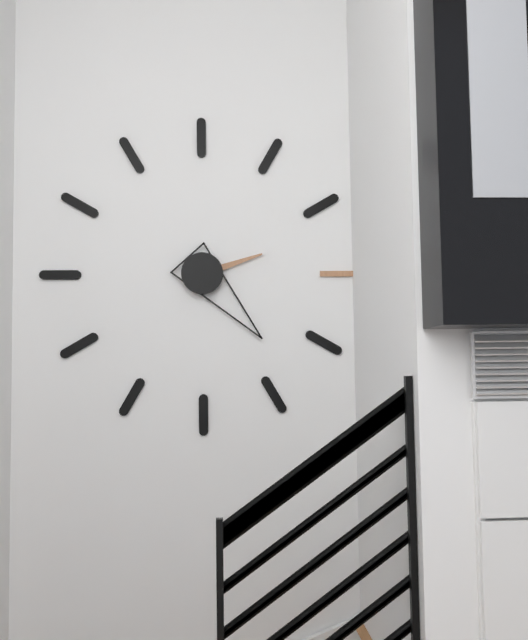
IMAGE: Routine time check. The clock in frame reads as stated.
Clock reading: 2:23
